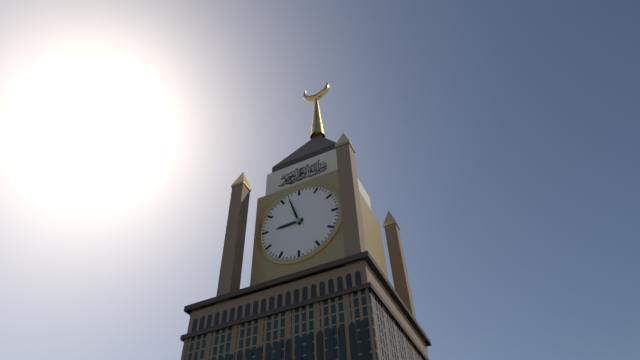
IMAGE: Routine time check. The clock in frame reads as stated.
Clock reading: 8:57
